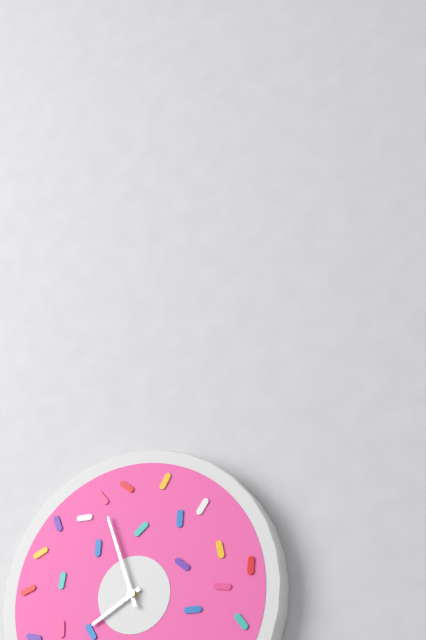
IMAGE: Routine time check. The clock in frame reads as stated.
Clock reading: 7:57
